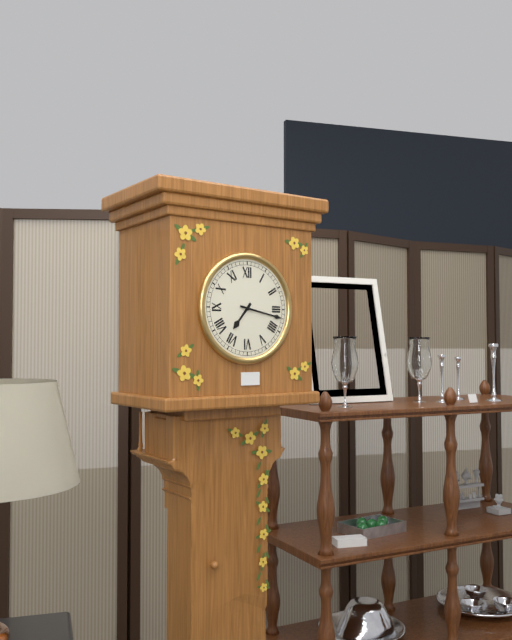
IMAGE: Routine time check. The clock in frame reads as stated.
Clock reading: 7:17
